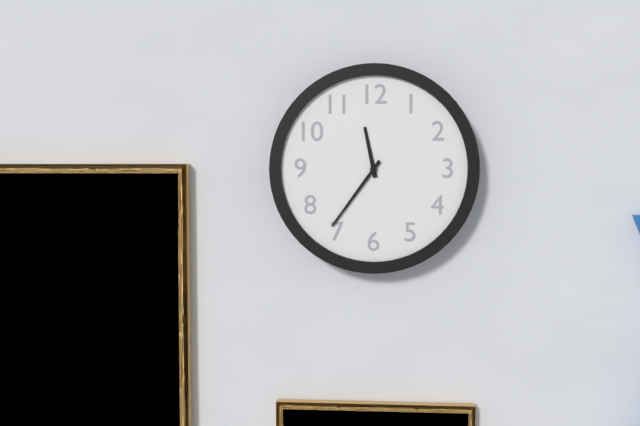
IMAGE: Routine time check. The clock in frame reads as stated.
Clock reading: 11:36
